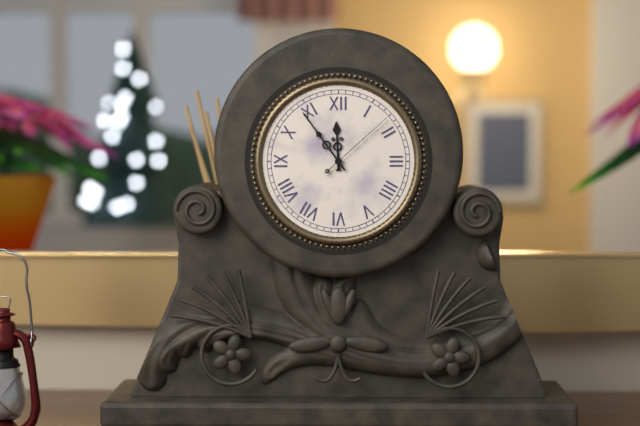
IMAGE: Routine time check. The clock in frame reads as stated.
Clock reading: 11:54:08
